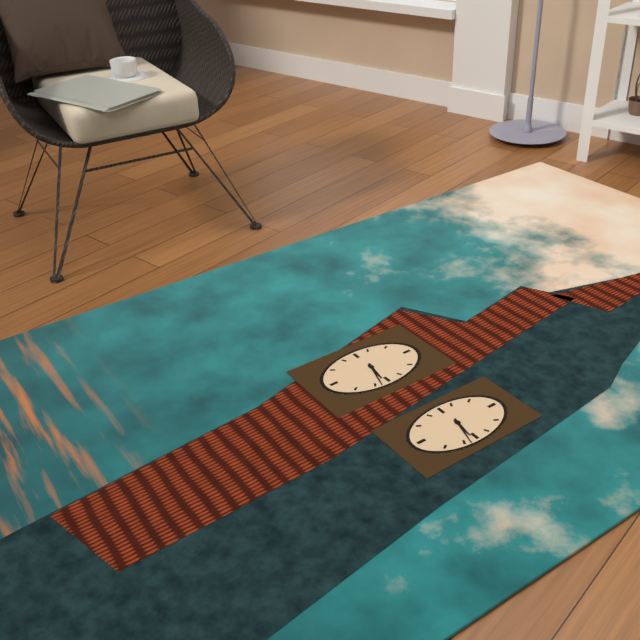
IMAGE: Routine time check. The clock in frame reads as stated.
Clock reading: 3:18
